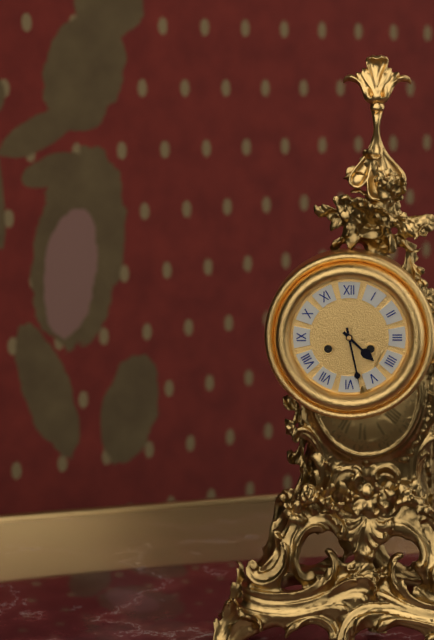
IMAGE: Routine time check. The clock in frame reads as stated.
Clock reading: 4:28
